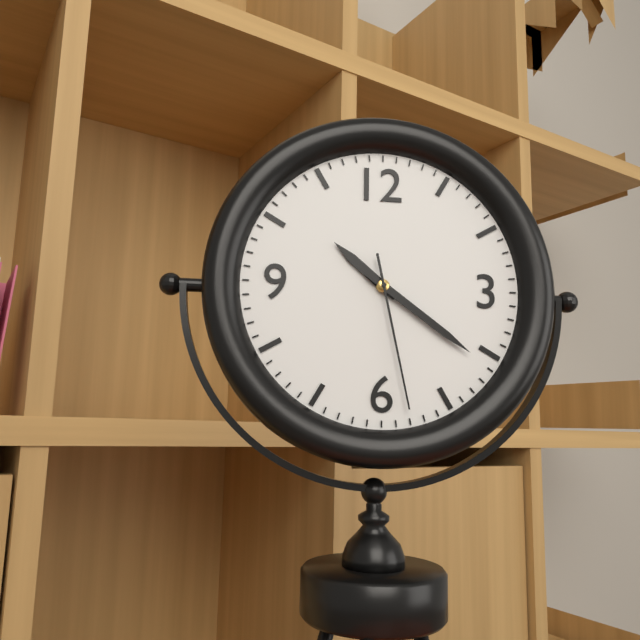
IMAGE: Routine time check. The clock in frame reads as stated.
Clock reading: 10:21:28
